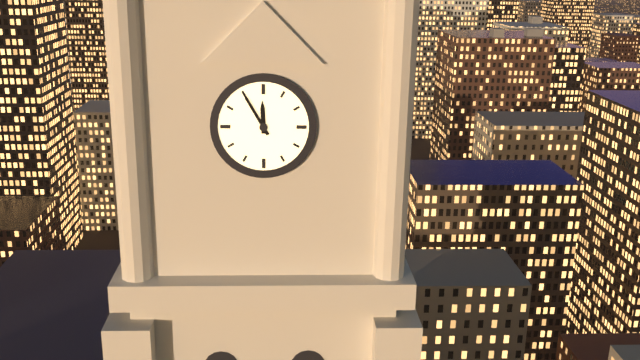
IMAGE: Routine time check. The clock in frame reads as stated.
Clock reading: 11:55
